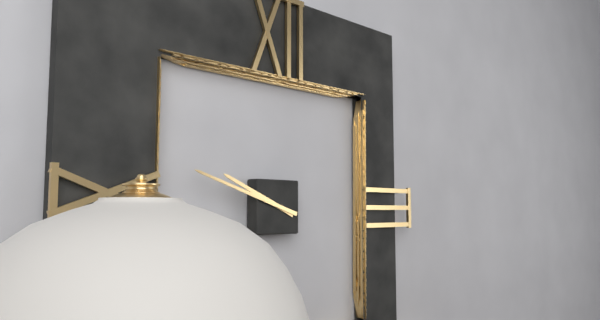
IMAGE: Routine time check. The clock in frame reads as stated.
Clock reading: 9:48
